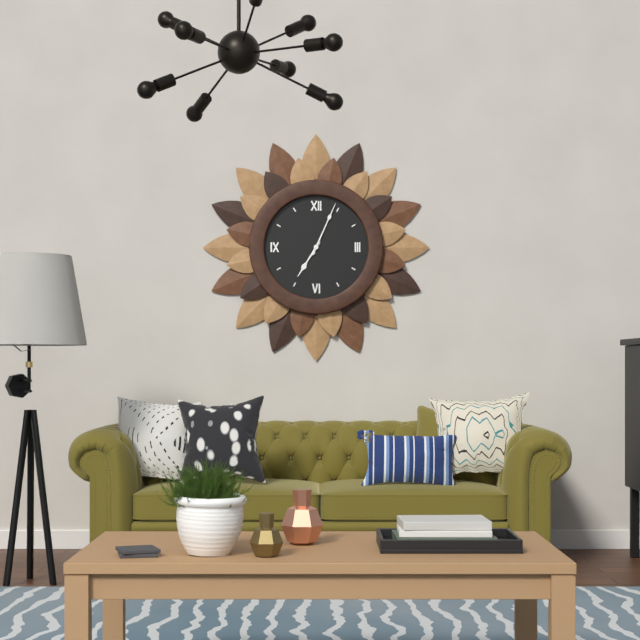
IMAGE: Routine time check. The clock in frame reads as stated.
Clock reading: 7:04
